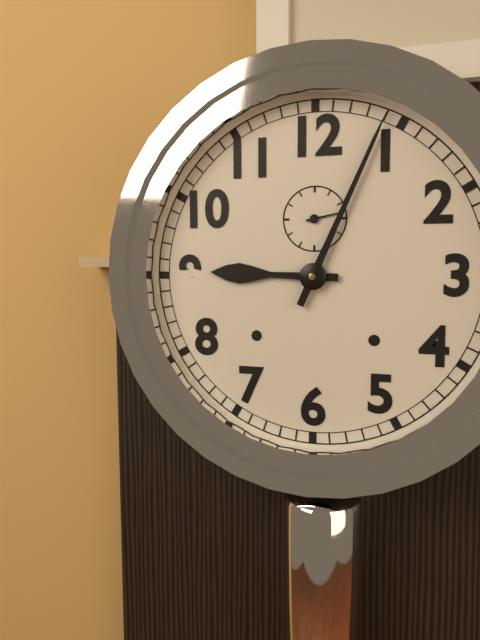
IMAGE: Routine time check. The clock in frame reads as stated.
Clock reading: 9:04
